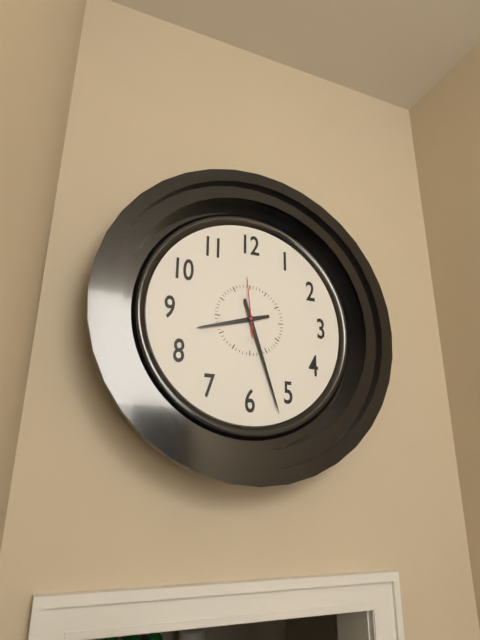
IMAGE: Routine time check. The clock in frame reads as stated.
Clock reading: 8:27:59
